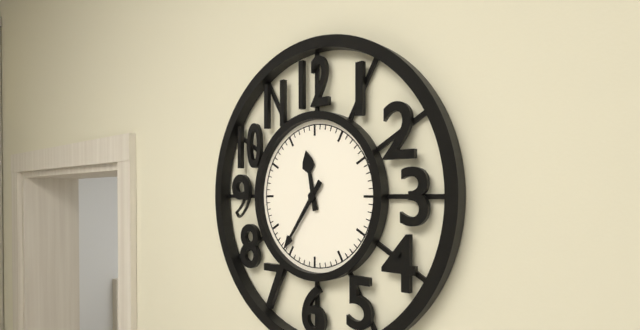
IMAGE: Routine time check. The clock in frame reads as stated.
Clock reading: 11:36
